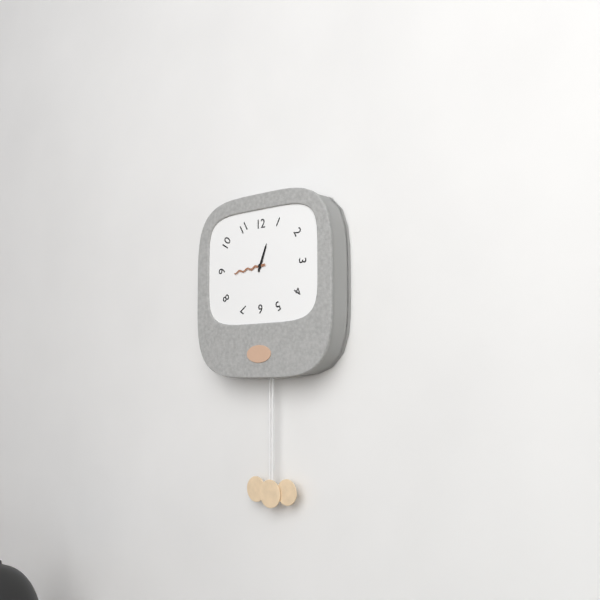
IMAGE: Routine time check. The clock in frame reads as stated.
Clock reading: 12:44
